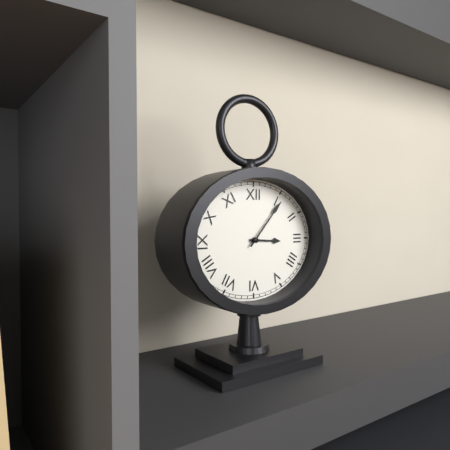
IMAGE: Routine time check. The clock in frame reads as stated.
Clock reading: 3:07
